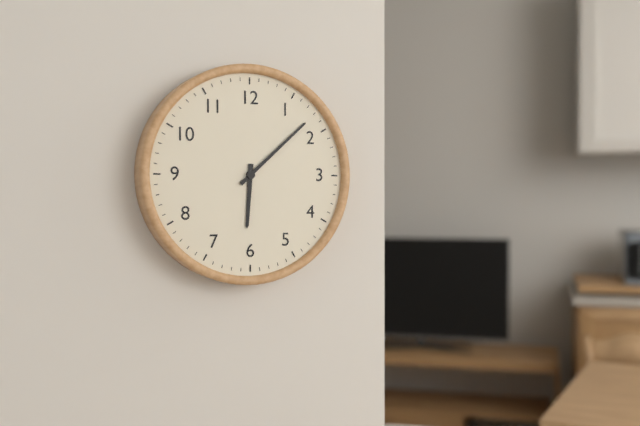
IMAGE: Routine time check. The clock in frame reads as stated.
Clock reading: 6:08
